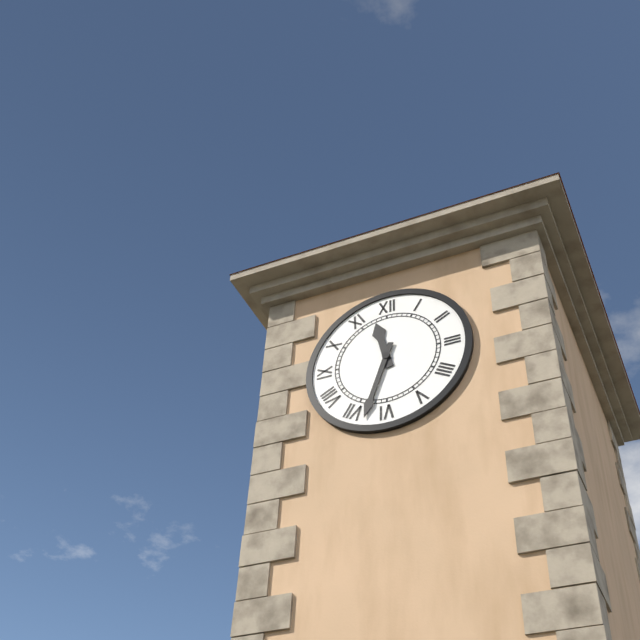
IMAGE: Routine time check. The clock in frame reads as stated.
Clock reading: 11:33
